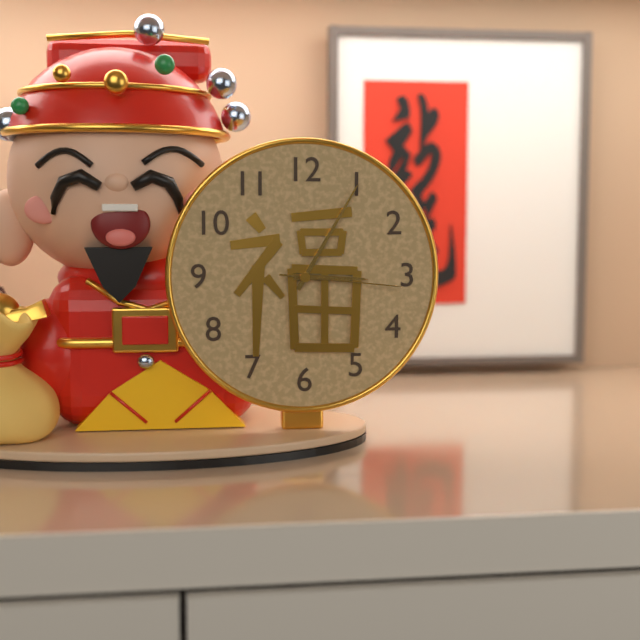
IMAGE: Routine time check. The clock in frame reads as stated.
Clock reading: 3:05:16
